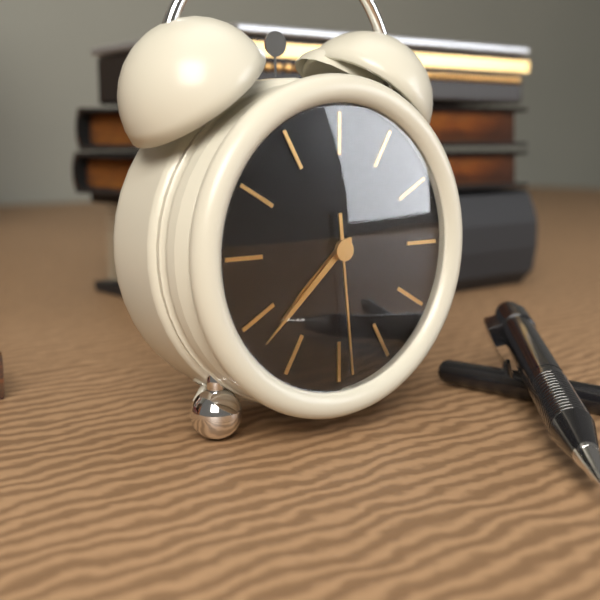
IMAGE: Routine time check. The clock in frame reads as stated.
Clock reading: 7:38:29
